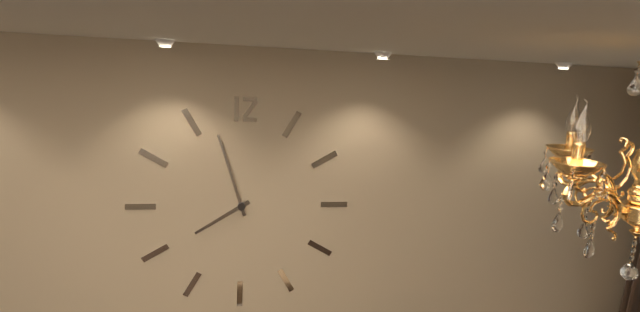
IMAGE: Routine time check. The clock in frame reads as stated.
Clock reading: 7:57
